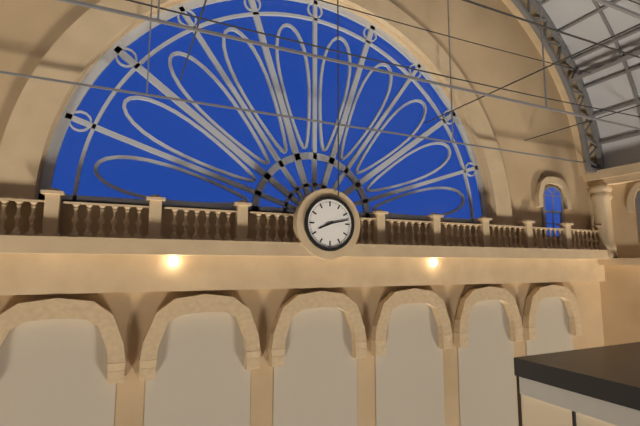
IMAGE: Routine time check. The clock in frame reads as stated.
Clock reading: 8:13
